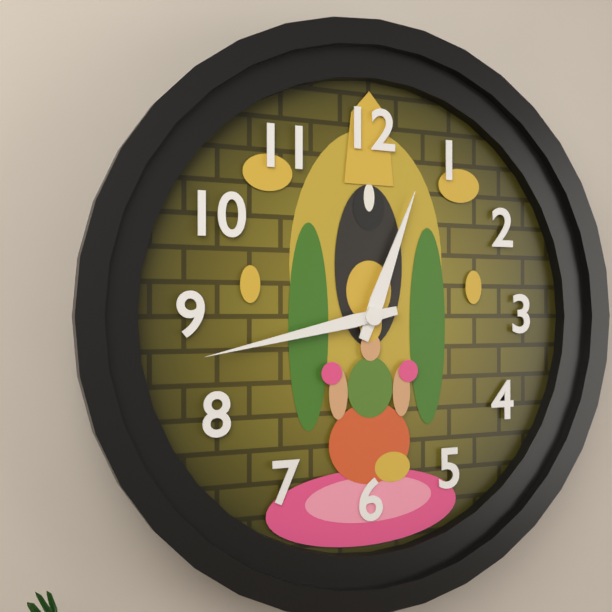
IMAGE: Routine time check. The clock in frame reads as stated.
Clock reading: 12:43
